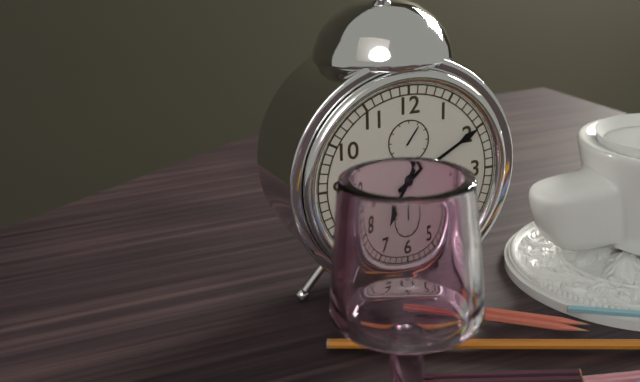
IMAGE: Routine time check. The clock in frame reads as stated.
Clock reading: 7:10
